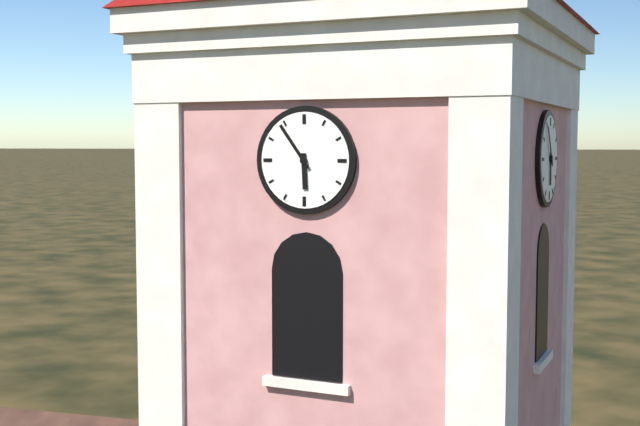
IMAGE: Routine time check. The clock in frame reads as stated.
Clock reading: 5:54
